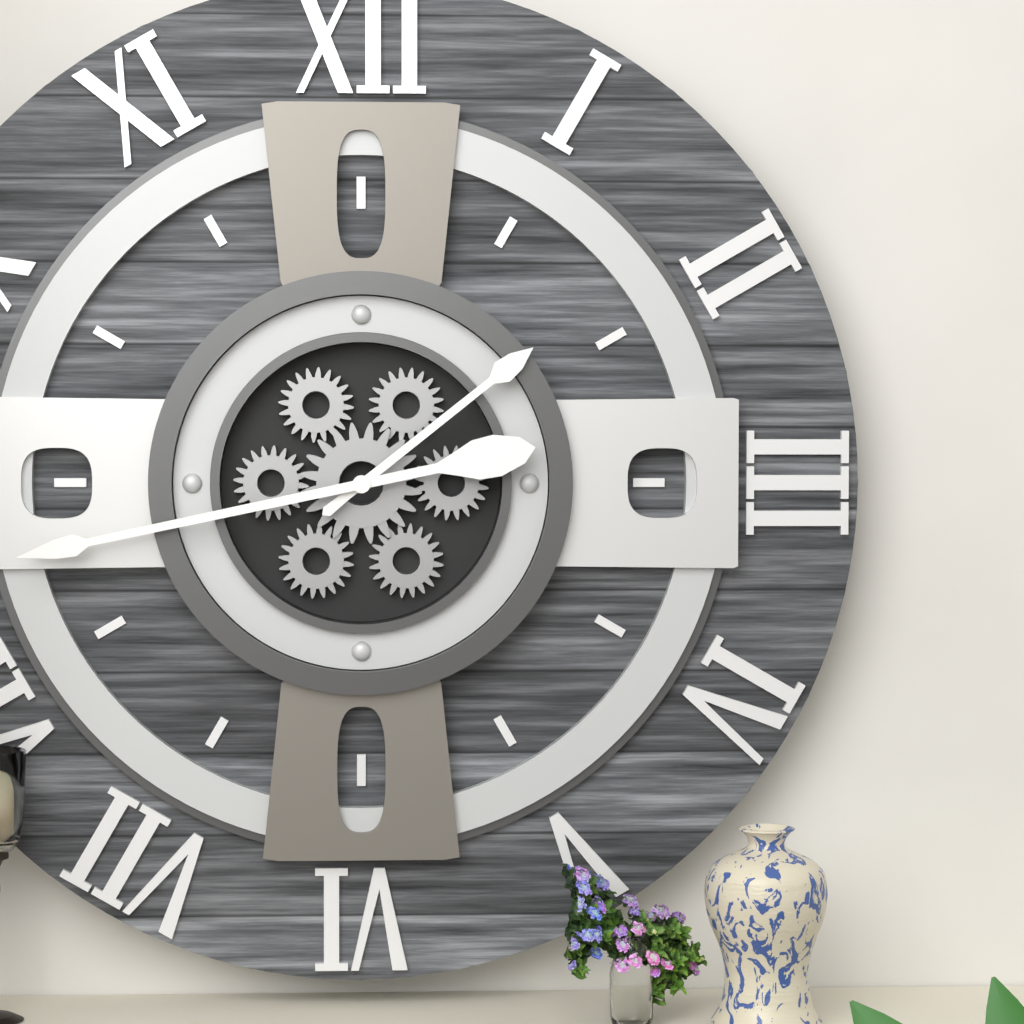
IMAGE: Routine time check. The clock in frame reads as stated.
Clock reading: 1:43
